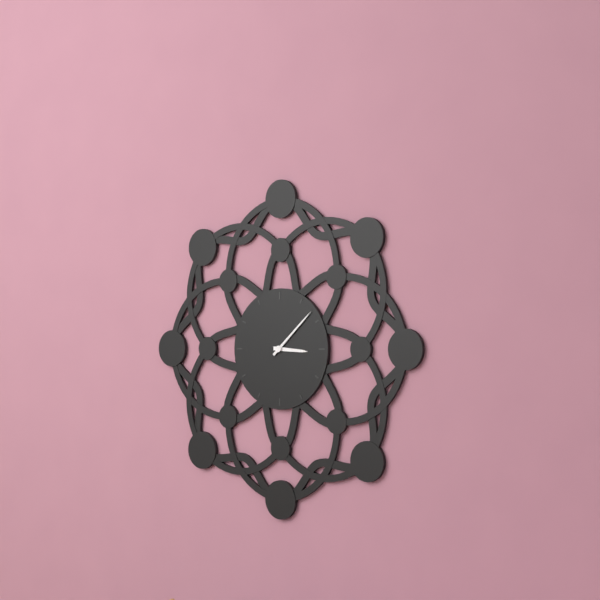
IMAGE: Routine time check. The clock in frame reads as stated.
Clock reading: 3:08
